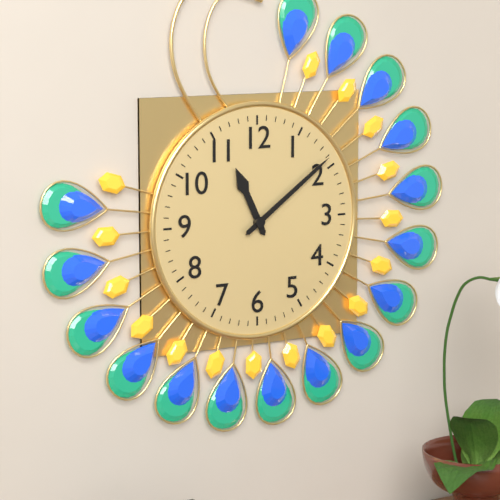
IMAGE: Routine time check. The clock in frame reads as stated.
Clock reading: 11:09
